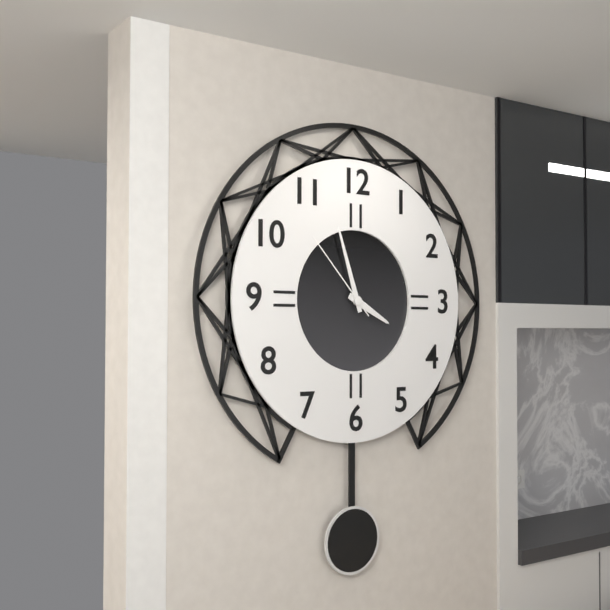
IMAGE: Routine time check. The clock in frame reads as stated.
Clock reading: 3:57:53
